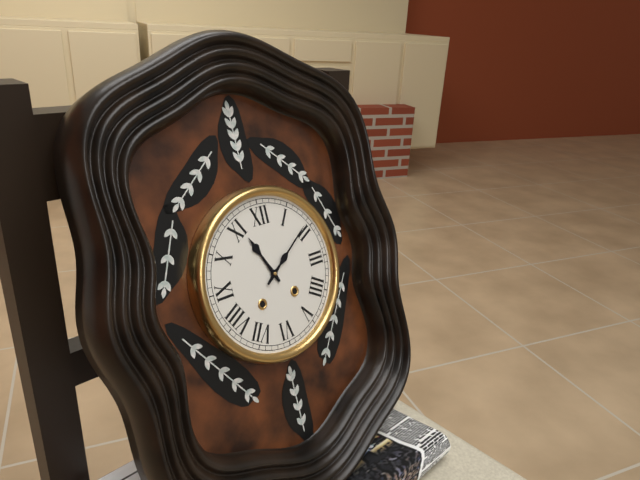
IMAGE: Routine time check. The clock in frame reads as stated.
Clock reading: 11:09
